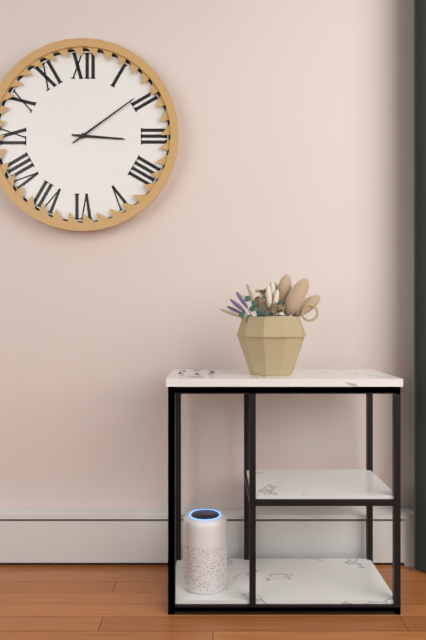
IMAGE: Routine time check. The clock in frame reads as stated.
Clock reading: 3:09
